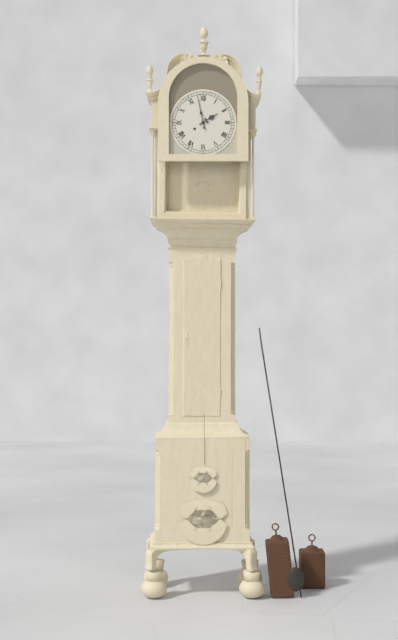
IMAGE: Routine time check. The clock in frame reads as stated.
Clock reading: 1:58
